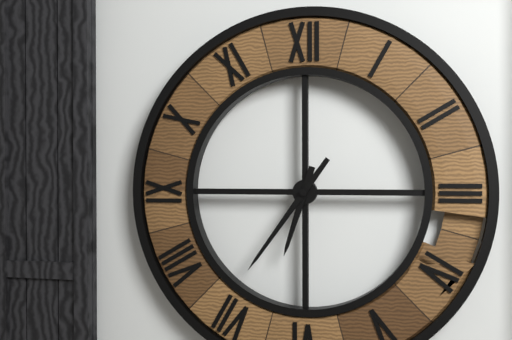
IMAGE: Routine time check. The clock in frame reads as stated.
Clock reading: 6:36
